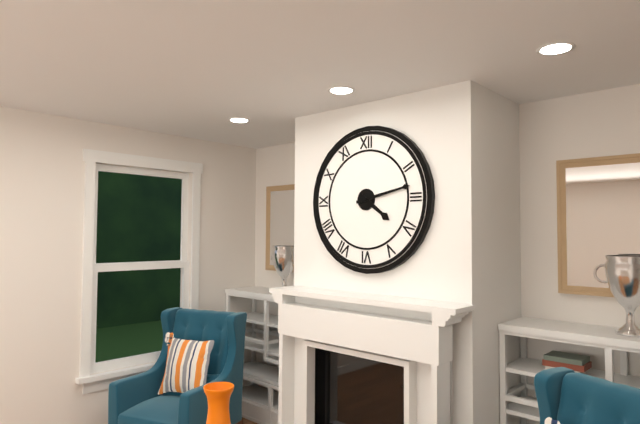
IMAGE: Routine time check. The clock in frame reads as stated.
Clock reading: 4:13
